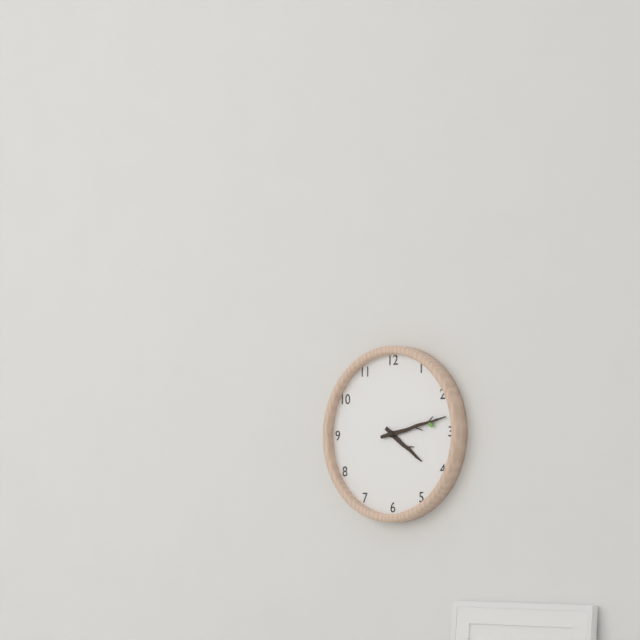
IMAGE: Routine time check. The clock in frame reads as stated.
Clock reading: 4:13
